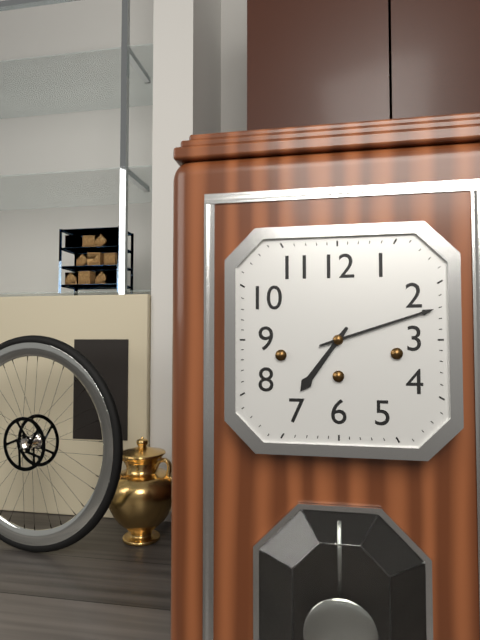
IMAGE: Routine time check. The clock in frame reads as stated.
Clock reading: 7:12
